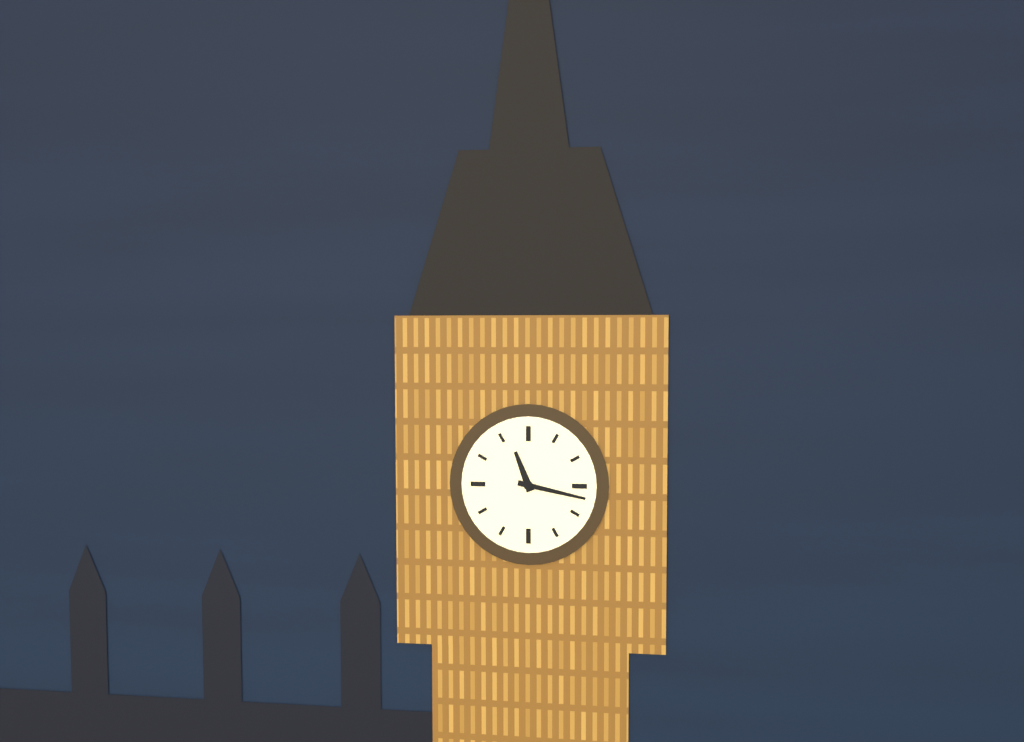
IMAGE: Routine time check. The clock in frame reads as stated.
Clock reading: 11:17
